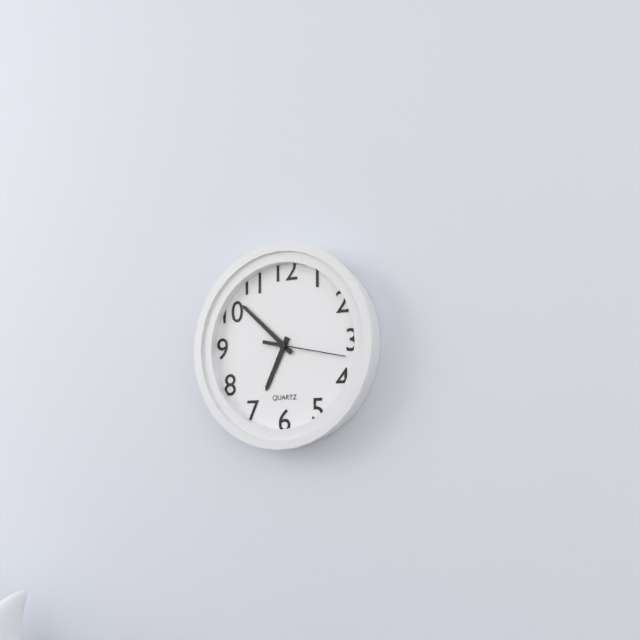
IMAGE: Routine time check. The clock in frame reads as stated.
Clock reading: 6:52:17
